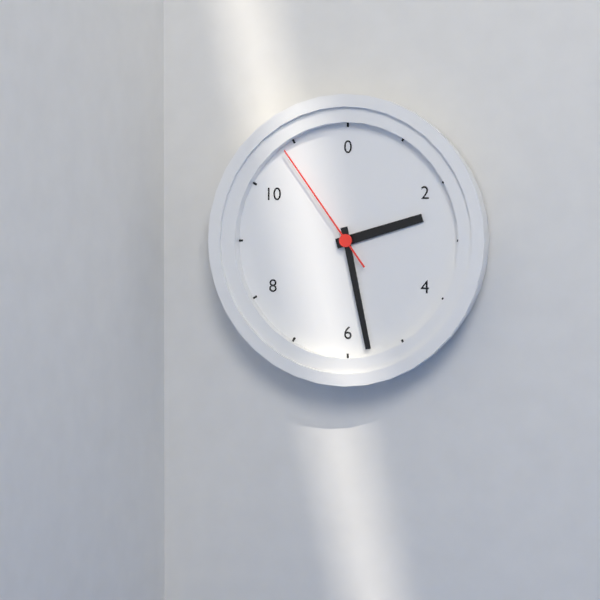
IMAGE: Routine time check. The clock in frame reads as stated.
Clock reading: 2:28:54
